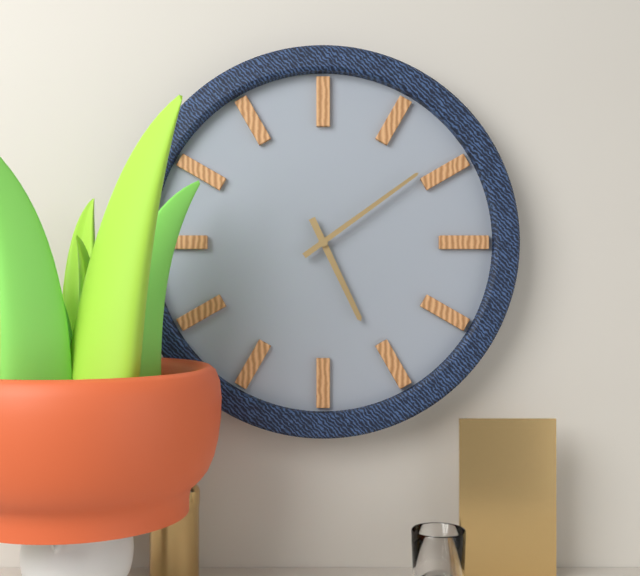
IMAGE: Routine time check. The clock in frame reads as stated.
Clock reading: 5:09
